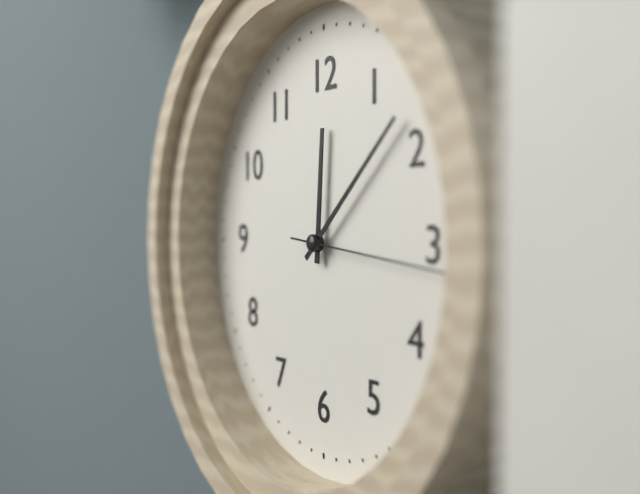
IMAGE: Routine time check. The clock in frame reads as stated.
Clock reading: 12:08:16
